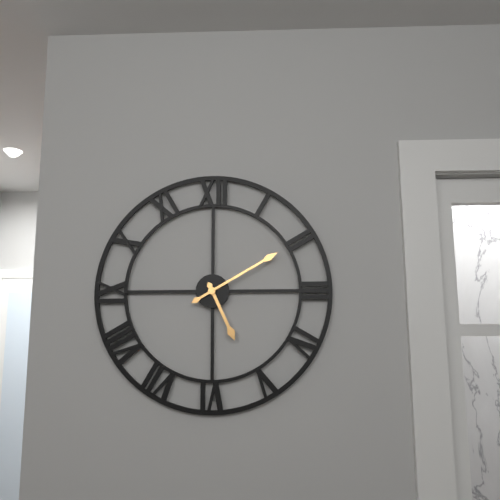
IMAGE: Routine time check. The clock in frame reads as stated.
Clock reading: 5:10
